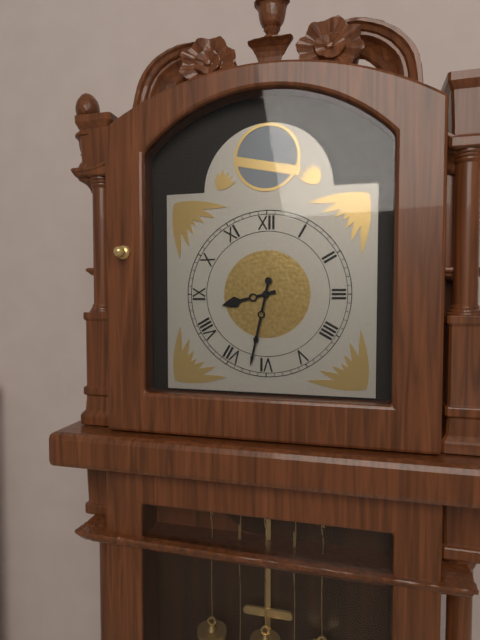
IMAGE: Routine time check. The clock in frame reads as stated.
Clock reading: 8:32
